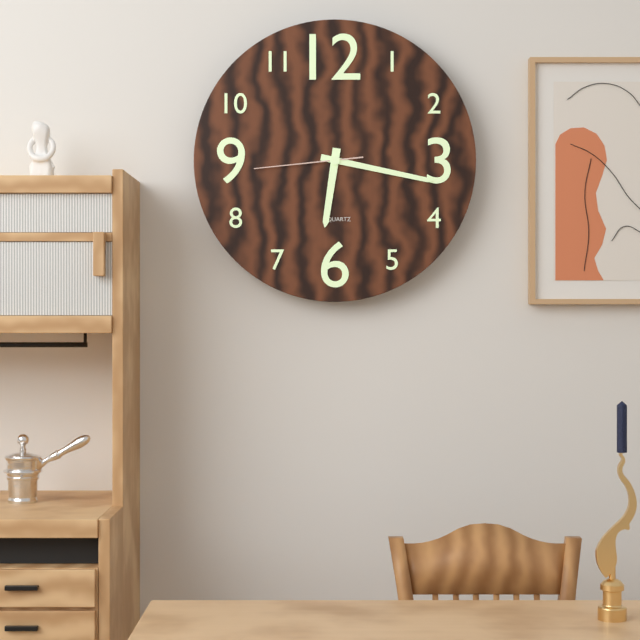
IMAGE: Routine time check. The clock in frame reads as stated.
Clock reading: 6:17:44
